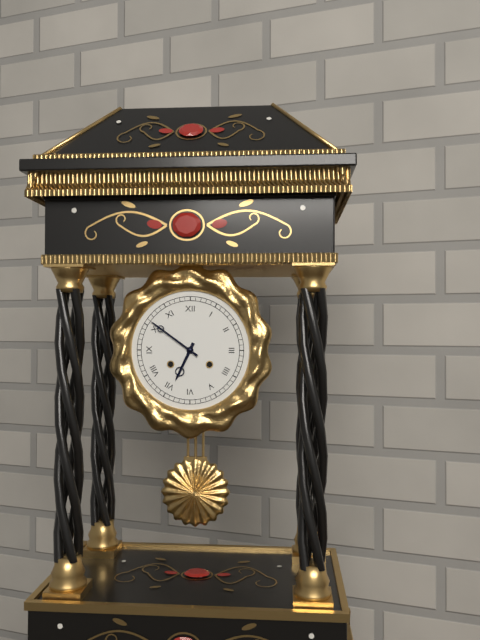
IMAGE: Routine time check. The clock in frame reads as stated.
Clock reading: 6:51
